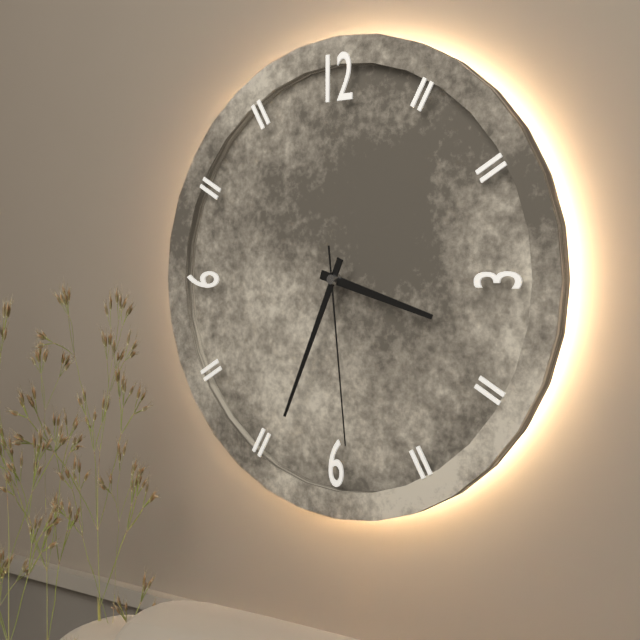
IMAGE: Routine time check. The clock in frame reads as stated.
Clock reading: 3:34:29
